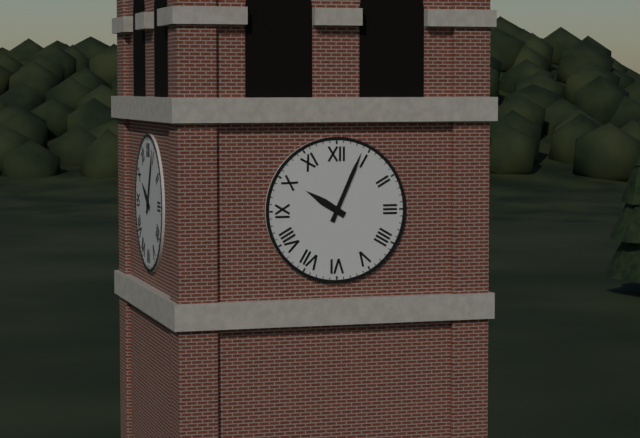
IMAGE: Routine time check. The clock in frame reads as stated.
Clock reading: 10:04
